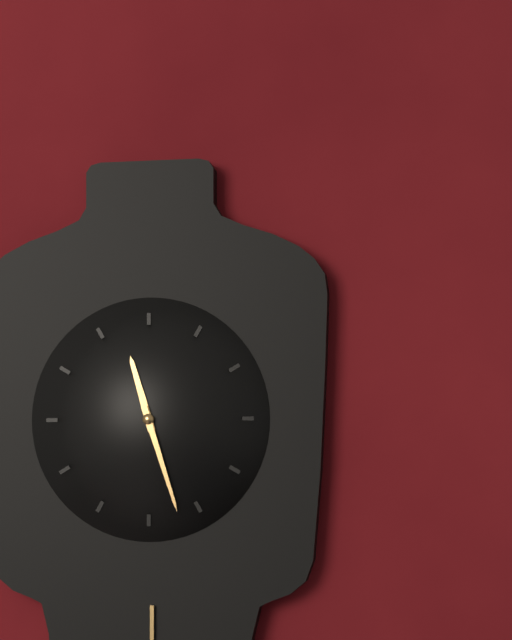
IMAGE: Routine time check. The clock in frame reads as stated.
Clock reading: 11:27
